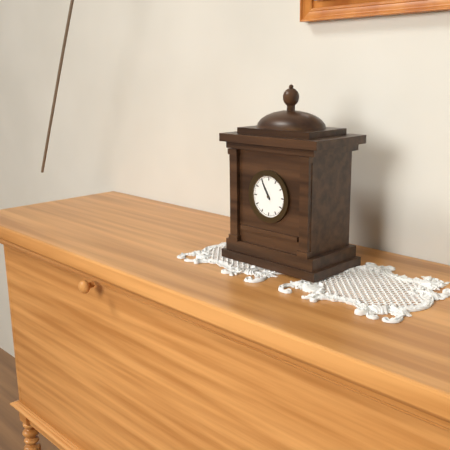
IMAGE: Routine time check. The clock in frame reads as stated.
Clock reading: 10:55
